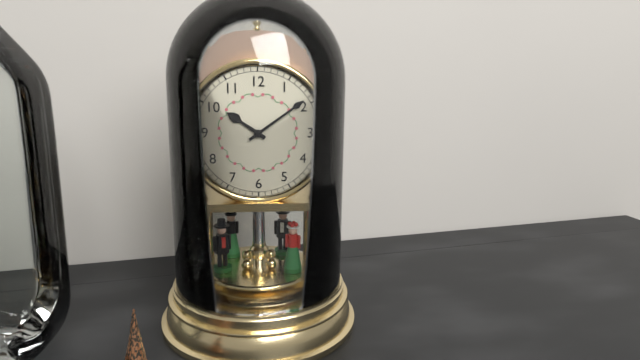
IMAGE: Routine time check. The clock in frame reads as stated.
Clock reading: 10:09
